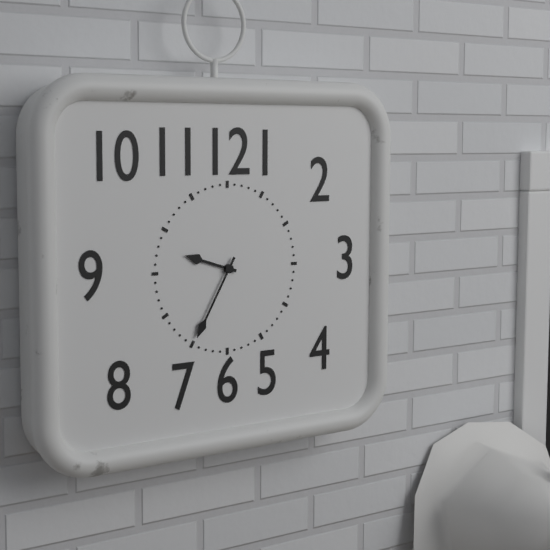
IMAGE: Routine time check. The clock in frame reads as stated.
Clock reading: 9:35
